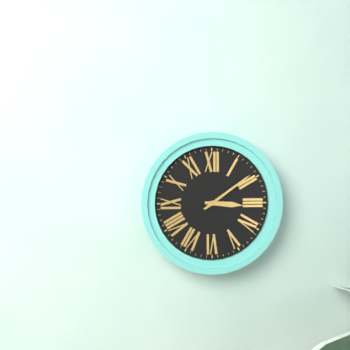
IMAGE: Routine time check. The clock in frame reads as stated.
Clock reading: 3:09
